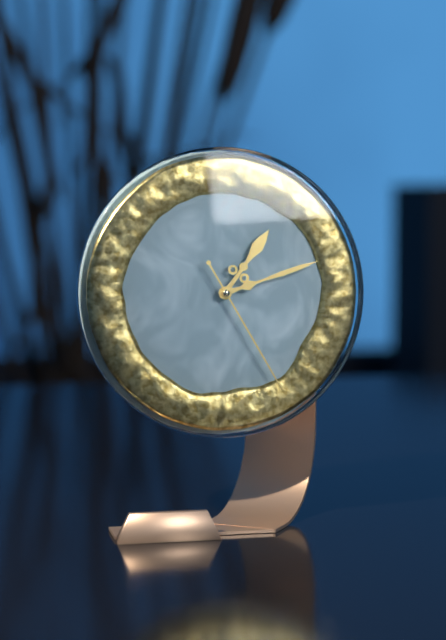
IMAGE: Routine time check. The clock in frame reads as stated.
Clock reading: 1:12:25
